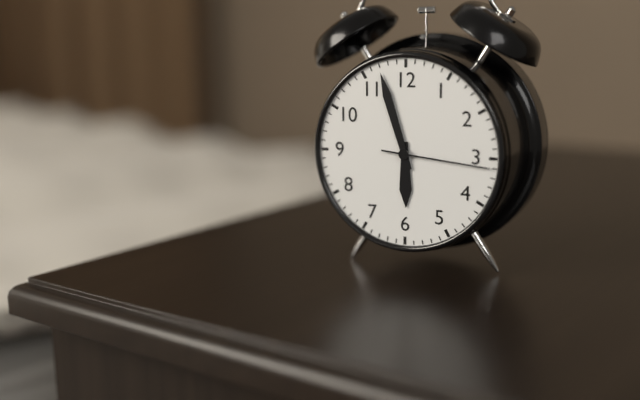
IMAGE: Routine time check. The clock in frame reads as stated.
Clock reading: 5:57:16
